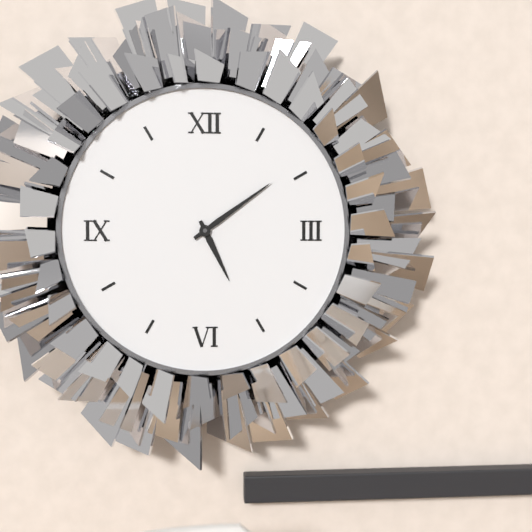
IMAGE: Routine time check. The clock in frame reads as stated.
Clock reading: 5:09
